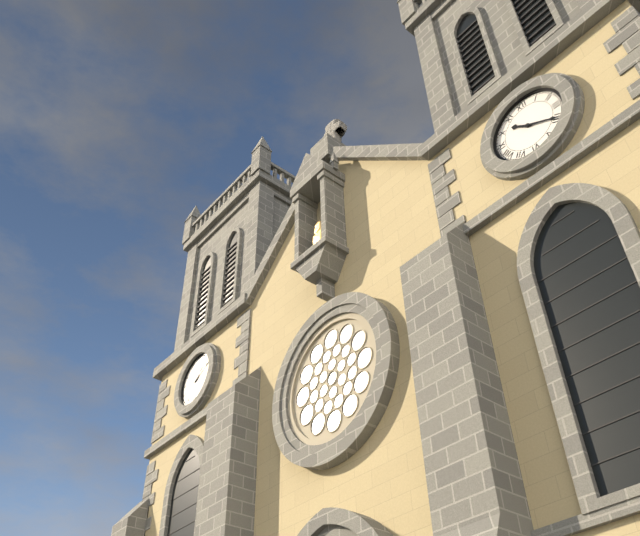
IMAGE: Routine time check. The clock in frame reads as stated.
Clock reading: 10:20
